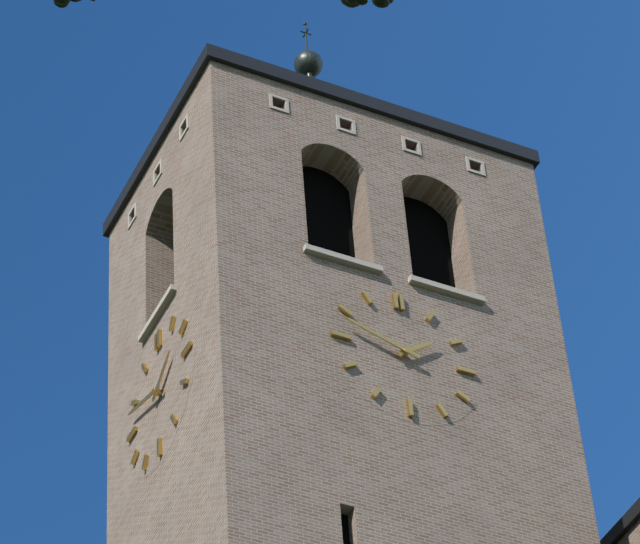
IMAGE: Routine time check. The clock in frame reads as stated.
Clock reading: 1:48
